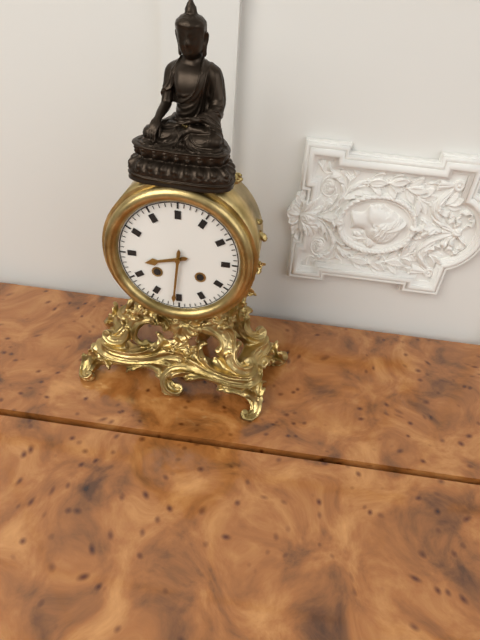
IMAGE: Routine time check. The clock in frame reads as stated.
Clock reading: 8:31
